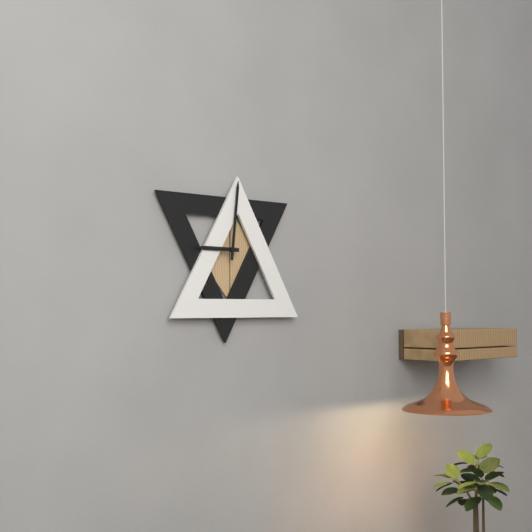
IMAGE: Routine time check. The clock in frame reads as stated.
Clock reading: 9:01
